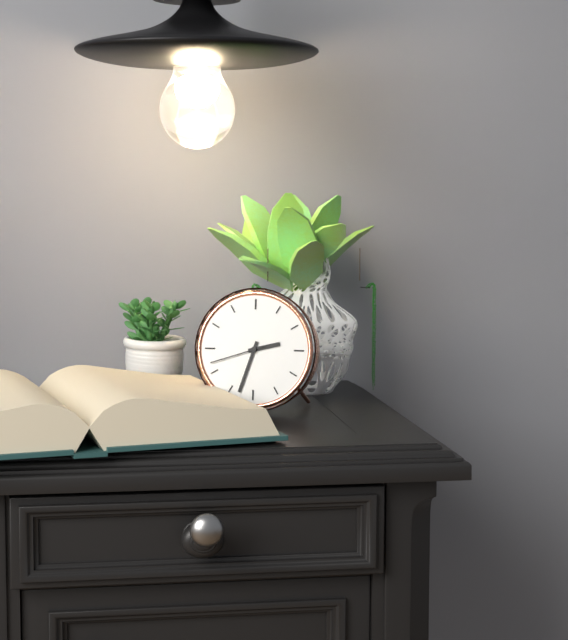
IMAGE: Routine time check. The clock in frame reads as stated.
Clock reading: 2:33:42
